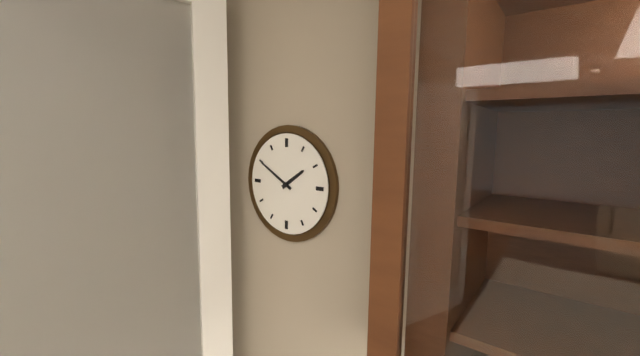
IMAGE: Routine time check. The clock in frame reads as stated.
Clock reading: 1:50
